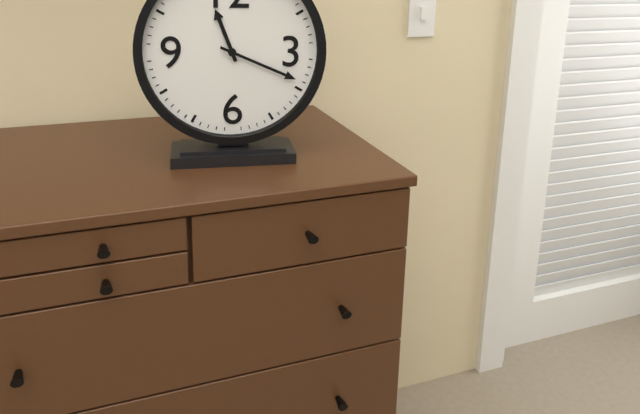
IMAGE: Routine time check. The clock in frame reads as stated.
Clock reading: 11:19
